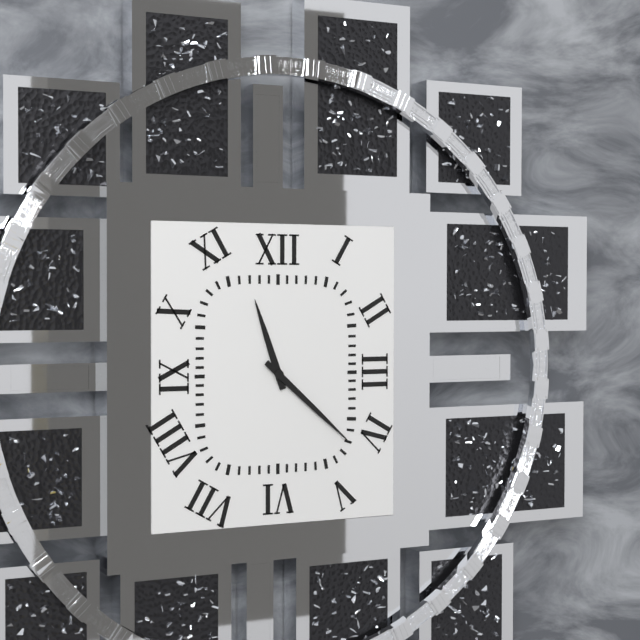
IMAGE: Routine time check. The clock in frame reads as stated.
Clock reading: 11:22
